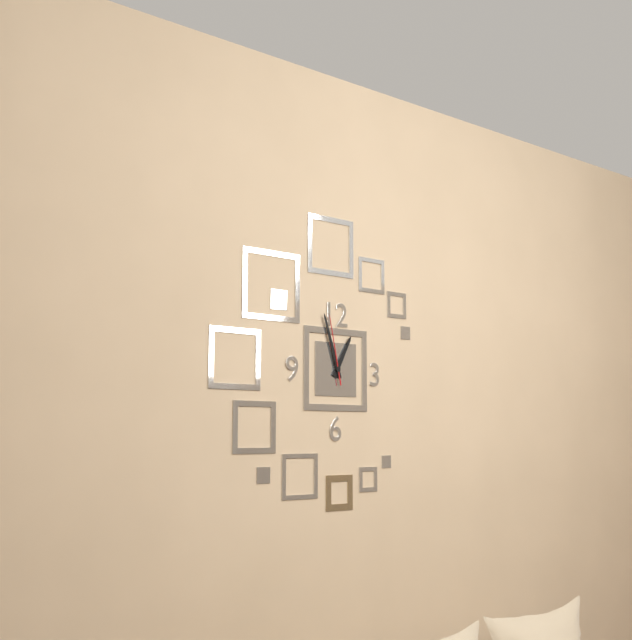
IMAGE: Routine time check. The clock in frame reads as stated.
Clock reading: 12:57:58
